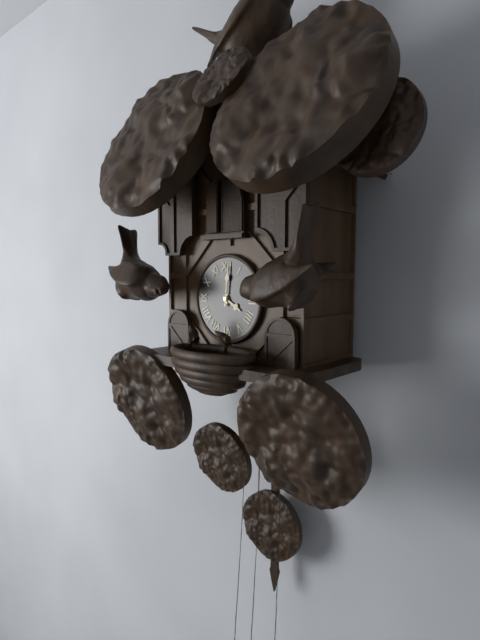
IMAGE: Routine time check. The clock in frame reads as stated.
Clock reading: 4:01
